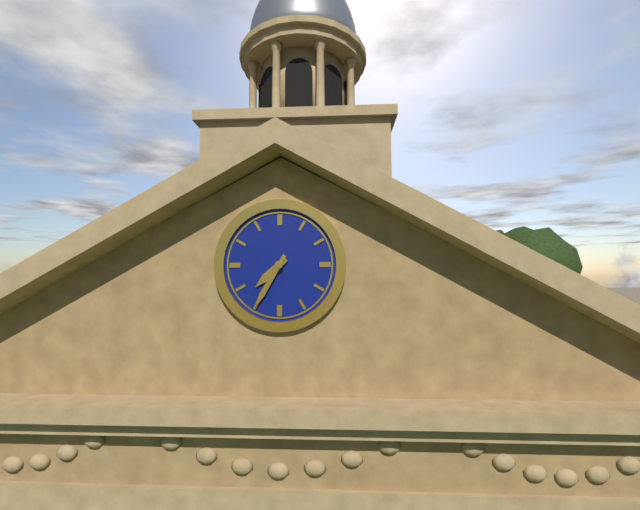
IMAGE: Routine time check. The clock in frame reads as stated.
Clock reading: 7:35
